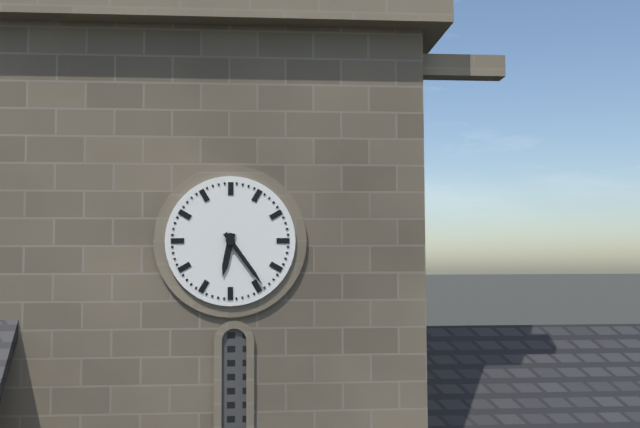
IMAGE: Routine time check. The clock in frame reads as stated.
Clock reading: 6:24
